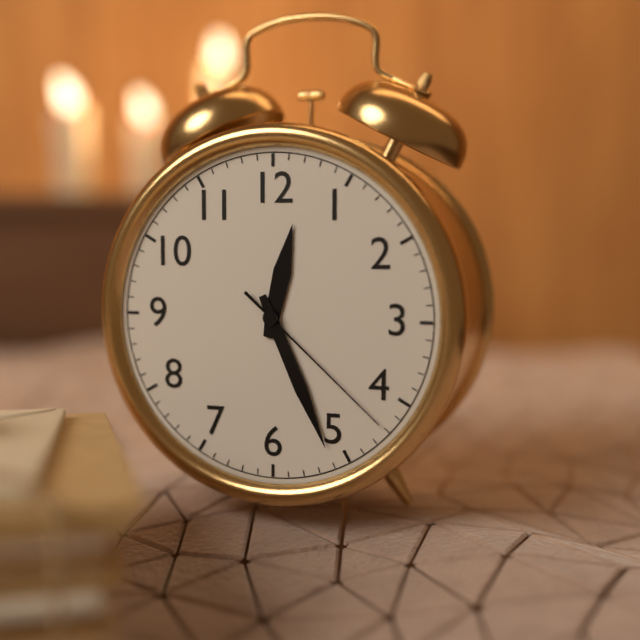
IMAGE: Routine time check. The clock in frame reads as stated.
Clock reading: 12:26:22
